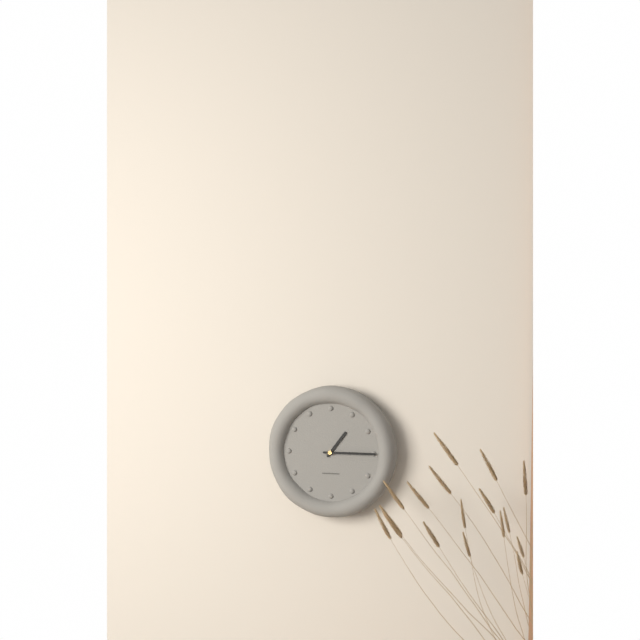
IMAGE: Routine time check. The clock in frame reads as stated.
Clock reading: 1:15
